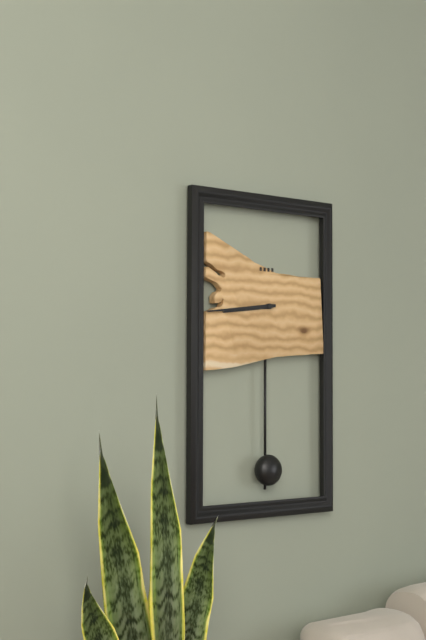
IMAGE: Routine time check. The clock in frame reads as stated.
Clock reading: 8:44
